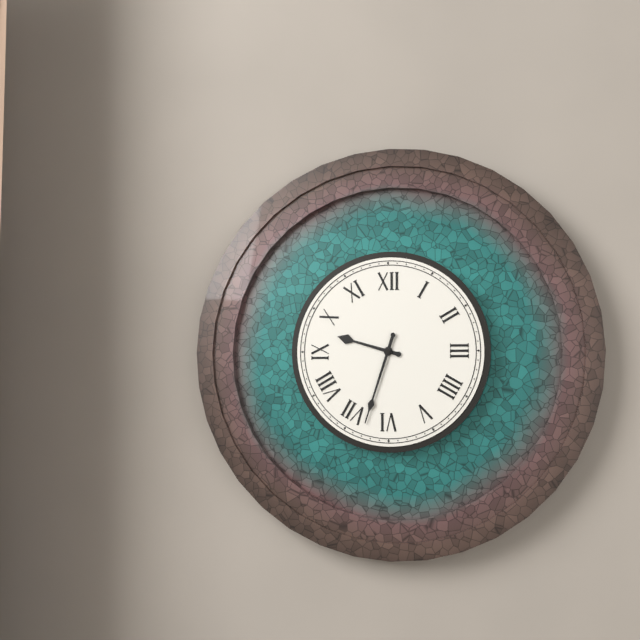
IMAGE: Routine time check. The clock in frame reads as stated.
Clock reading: 9:33
